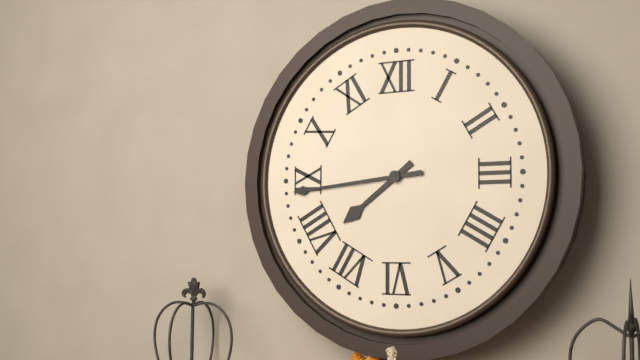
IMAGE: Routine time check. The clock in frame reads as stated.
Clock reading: 7:44
